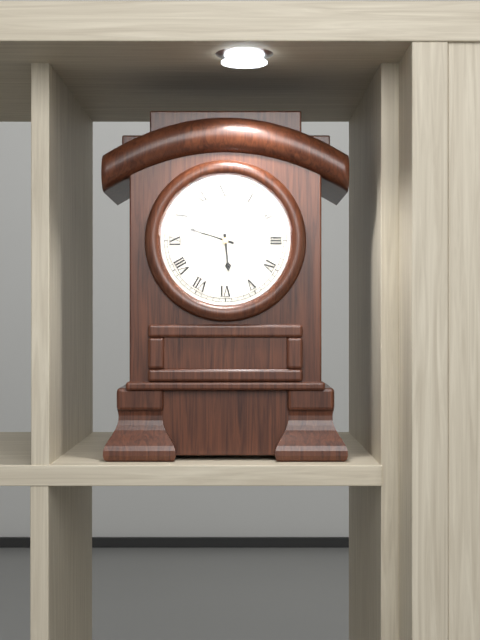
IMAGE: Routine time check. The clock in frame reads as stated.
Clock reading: 5:48
